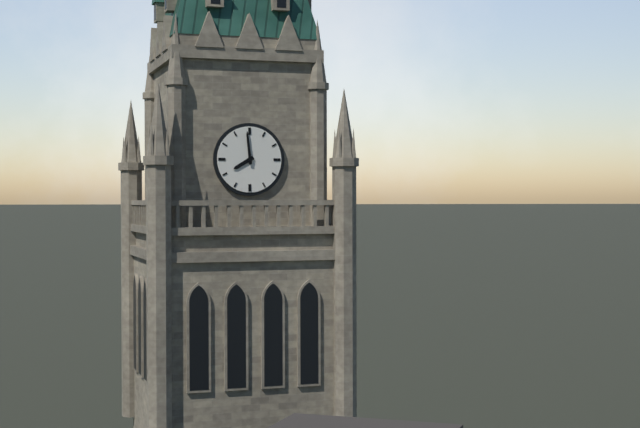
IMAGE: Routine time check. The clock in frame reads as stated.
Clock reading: 7:59
